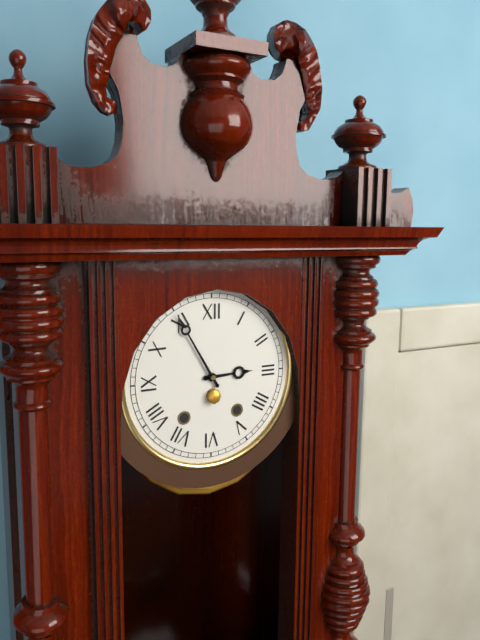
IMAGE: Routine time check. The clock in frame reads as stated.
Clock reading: 2:55
